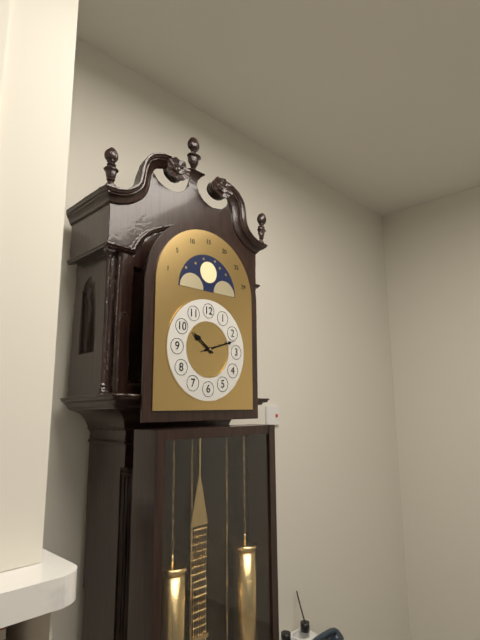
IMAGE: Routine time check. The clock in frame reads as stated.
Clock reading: 10:12
